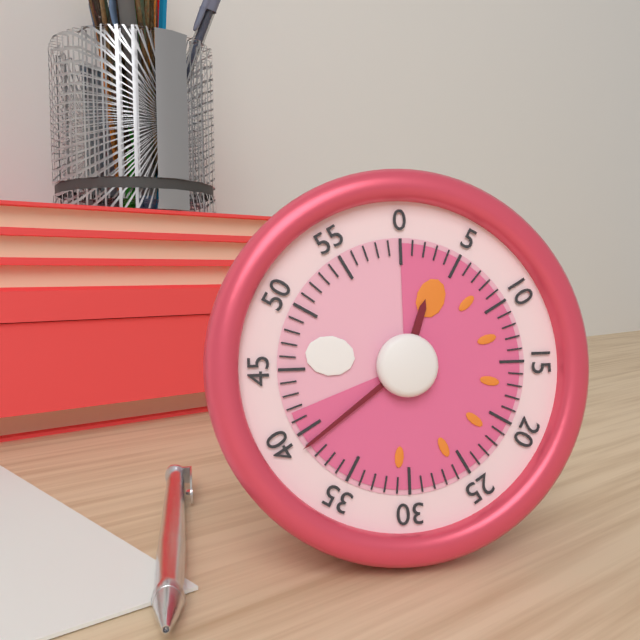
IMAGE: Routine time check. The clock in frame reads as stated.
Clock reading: 12:39
